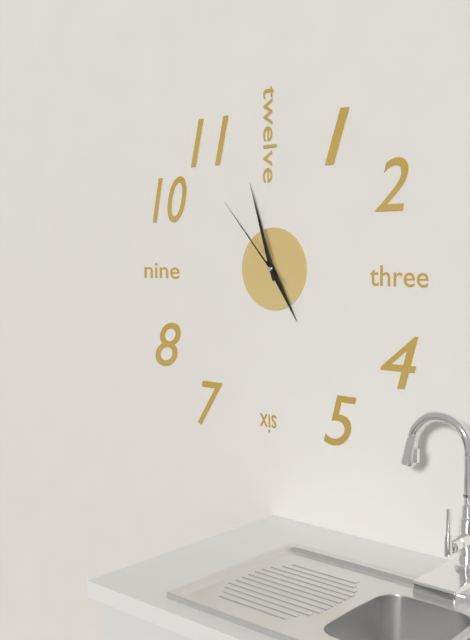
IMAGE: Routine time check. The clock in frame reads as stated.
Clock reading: 4:57:53
